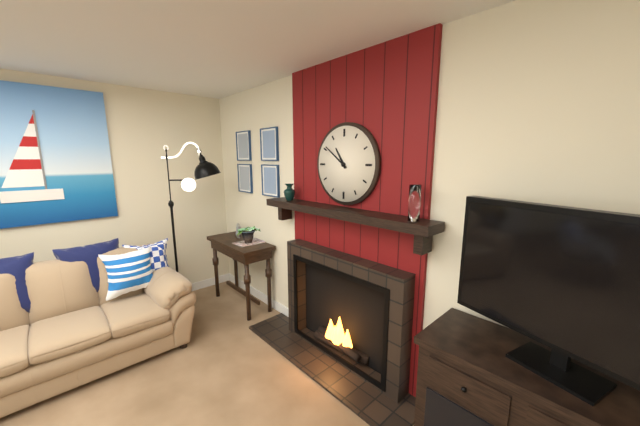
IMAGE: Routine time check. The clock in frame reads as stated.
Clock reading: 10:51
